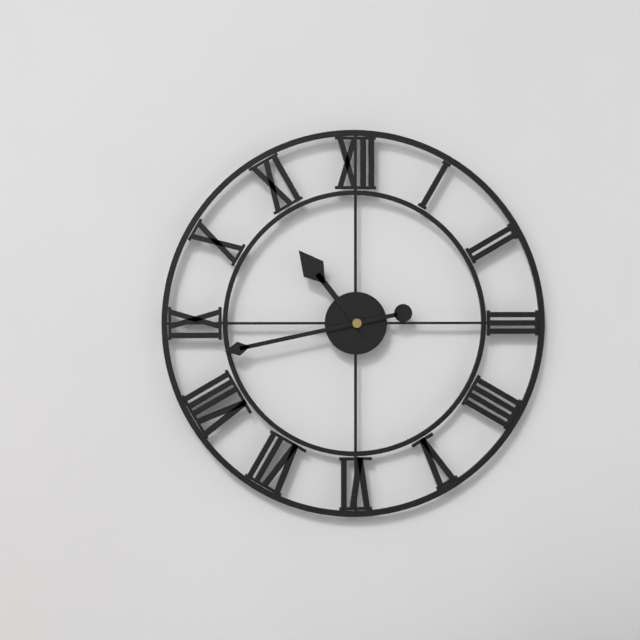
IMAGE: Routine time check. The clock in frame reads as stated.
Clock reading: 10:43
